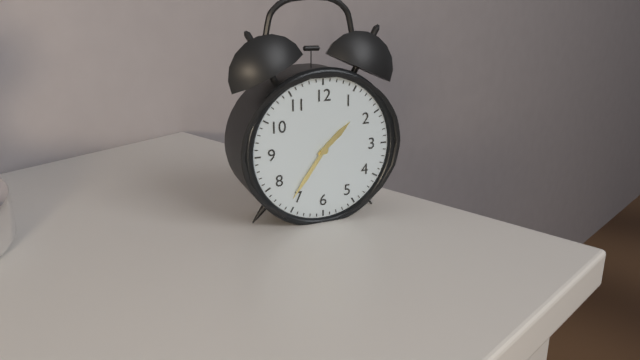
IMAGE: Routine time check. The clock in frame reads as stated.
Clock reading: 1:36
